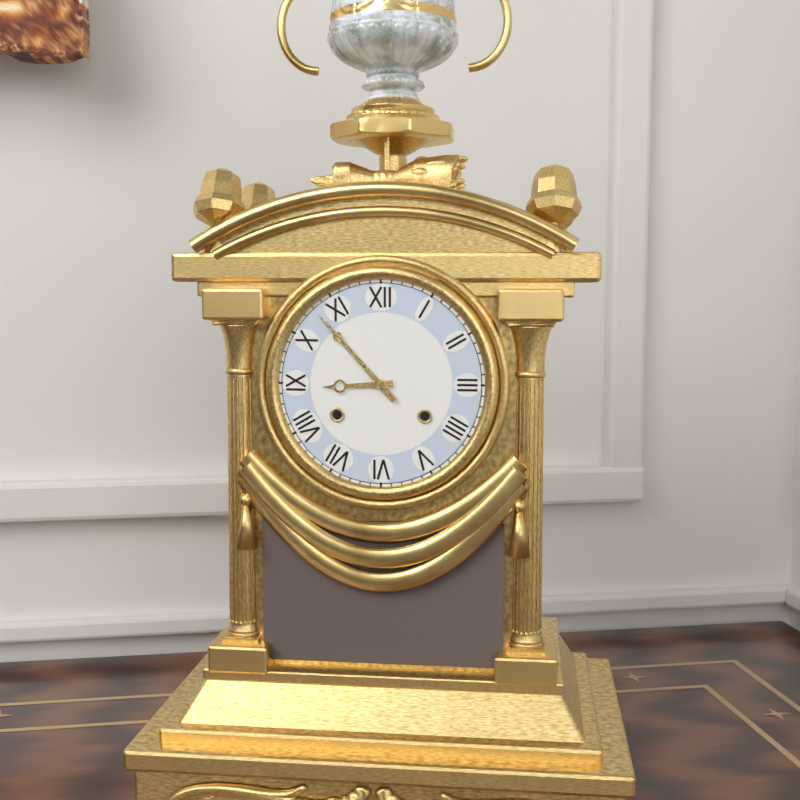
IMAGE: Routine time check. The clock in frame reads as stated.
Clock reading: 8:53
